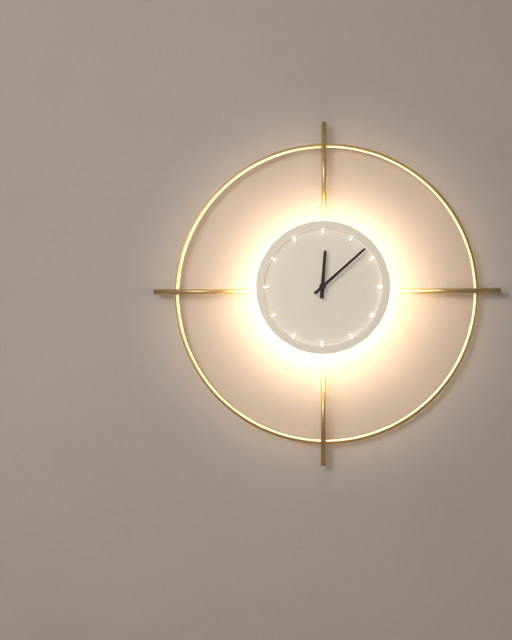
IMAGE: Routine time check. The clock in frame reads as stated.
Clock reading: 12:08
